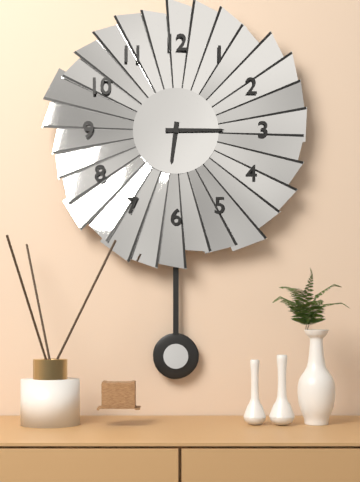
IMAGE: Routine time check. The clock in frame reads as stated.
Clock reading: 6:15
